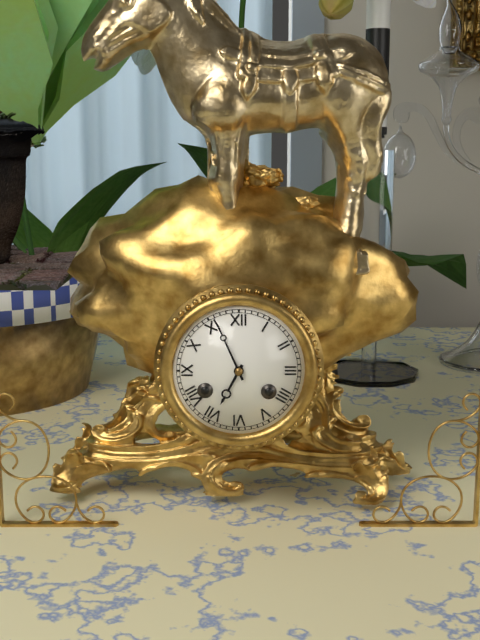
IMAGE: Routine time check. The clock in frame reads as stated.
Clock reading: 6:56
